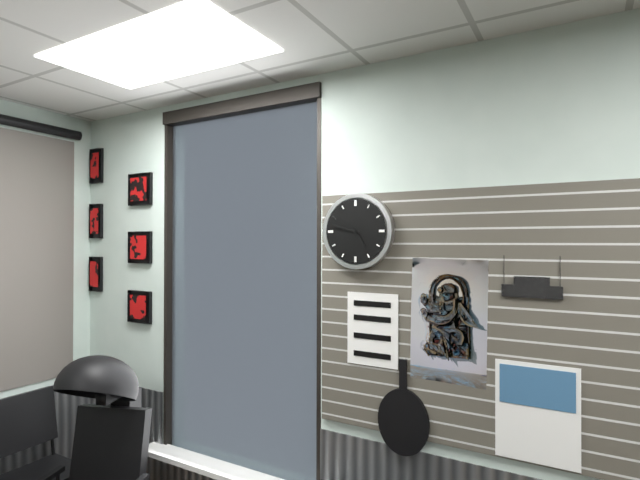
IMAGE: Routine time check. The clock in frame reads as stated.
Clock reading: 4:47
